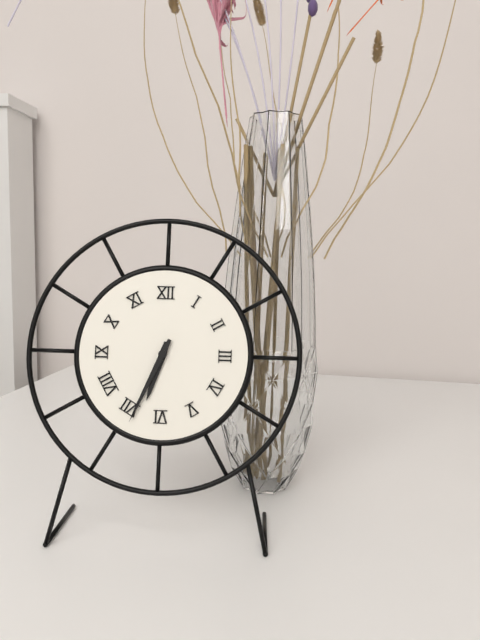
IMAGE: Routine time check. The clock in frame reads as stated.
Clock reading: 6:34
